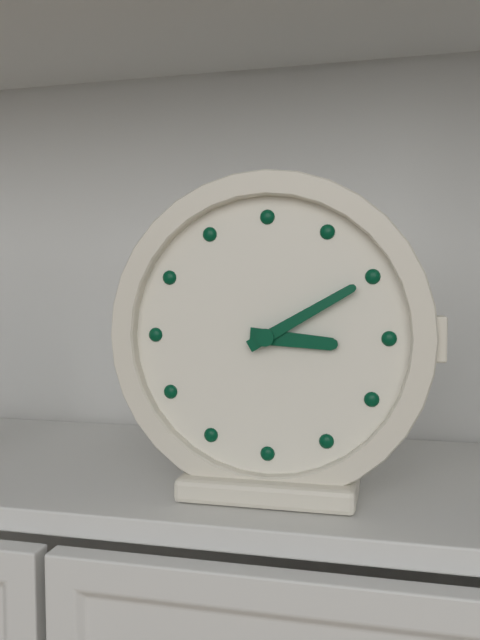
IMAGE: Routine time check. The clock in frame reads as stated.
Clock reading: 3:10
